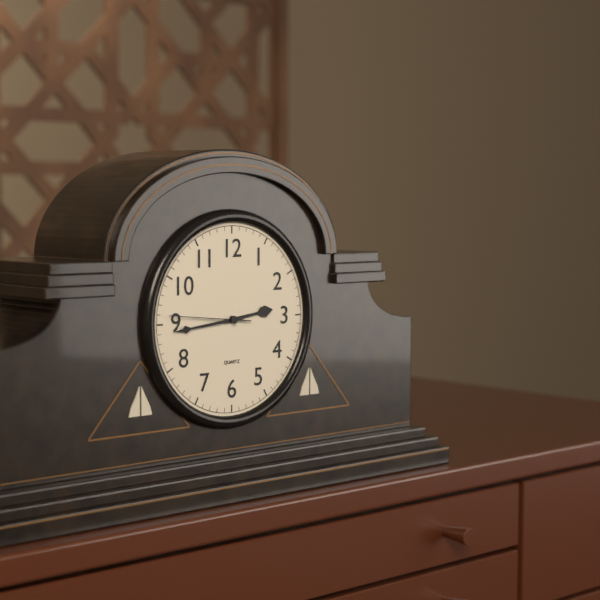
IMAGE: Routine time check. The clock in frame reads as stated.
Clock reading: 2:44:46
